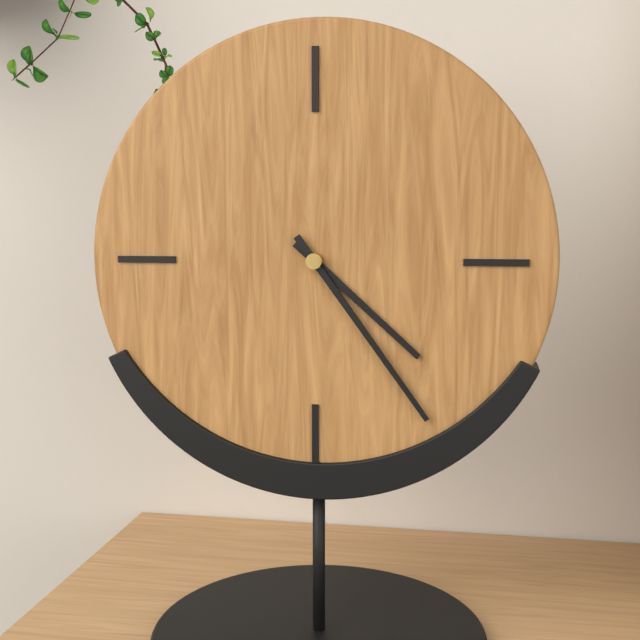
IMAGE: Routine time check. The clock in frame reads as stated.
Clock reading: 4:24
